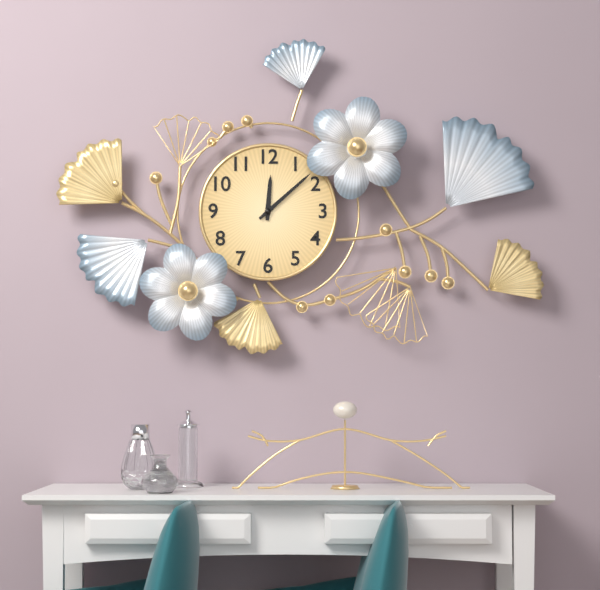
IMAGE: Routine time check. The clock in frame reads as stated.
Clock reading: 12:08
